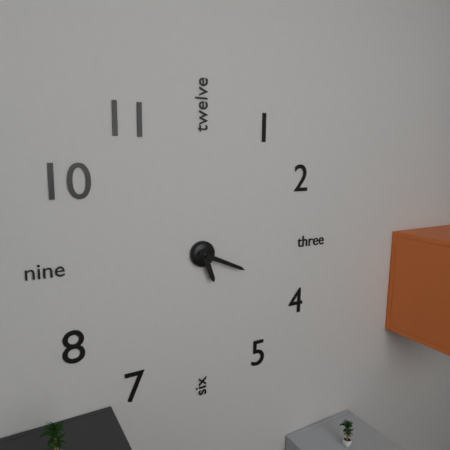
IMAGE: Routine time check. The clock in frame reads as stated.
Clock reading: 5:19
